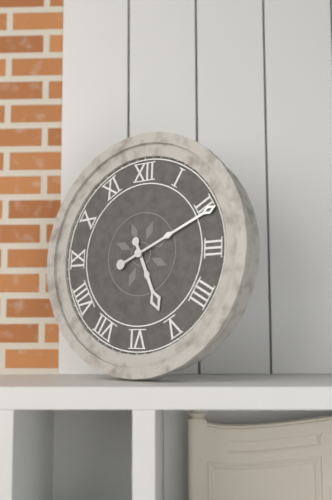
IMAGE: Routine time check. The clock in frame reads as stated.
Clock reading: 5:11
